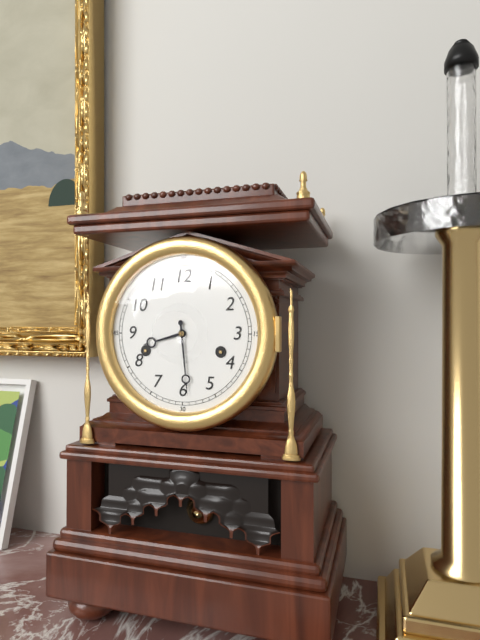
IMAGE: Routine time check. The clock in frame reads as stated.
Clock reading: 8:29
